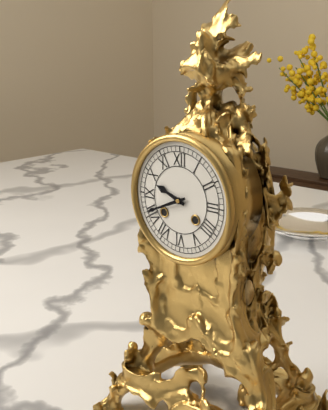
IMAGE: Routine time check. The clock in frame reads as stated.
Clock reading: 9:41
